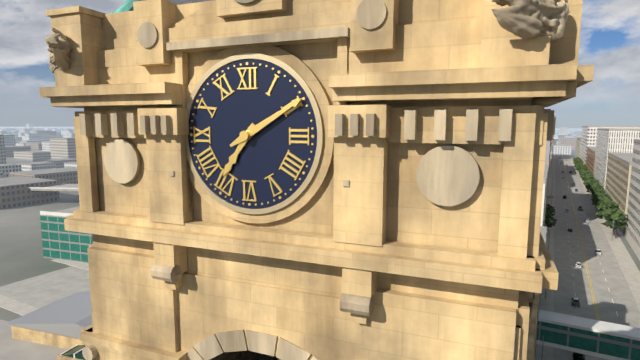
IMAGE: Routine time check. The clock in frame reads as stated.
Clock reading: 7:10
